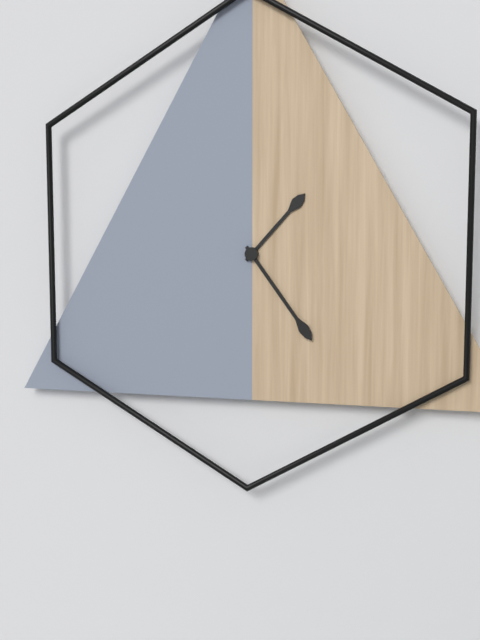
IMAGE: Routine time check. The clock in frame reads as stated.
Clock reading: 1:24
